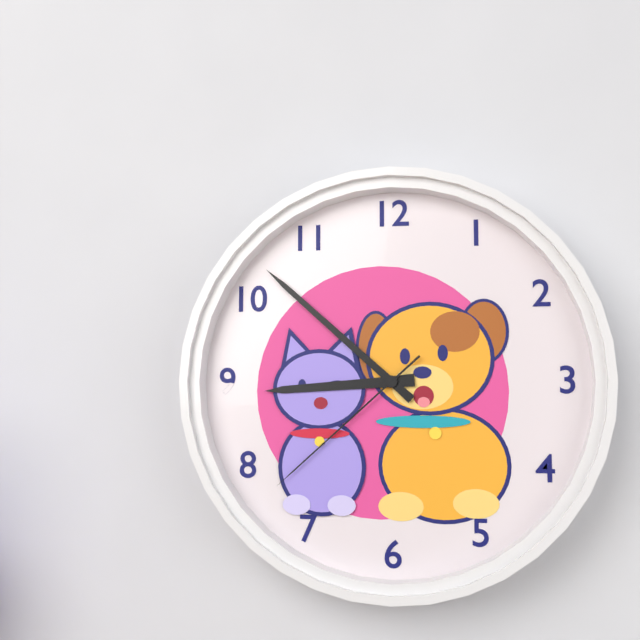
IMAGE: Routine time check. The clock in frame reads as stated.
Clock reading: 8:52:38
